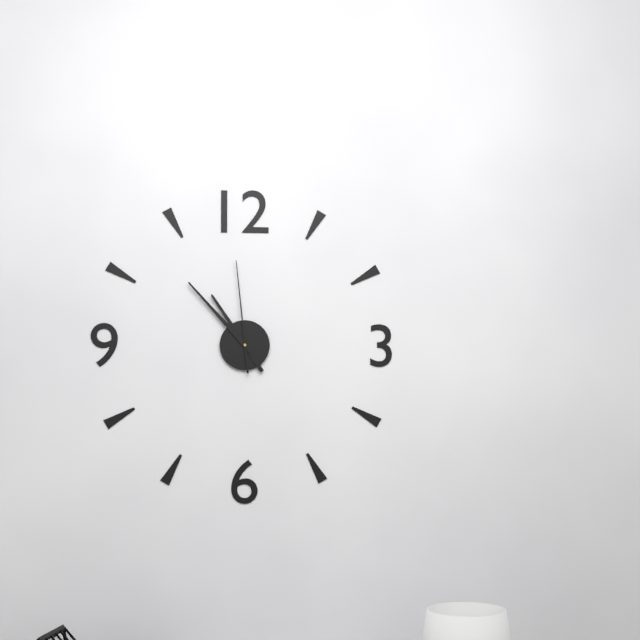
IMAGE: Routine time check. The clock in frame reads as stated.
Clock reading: 10:53:59
